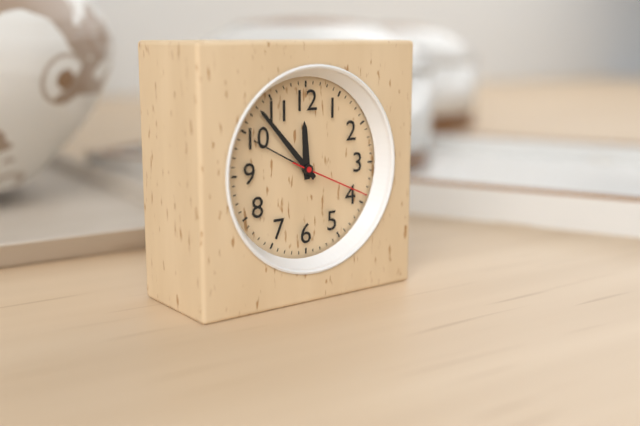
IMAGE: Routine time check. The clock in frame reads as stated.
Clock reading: 11:53:19
